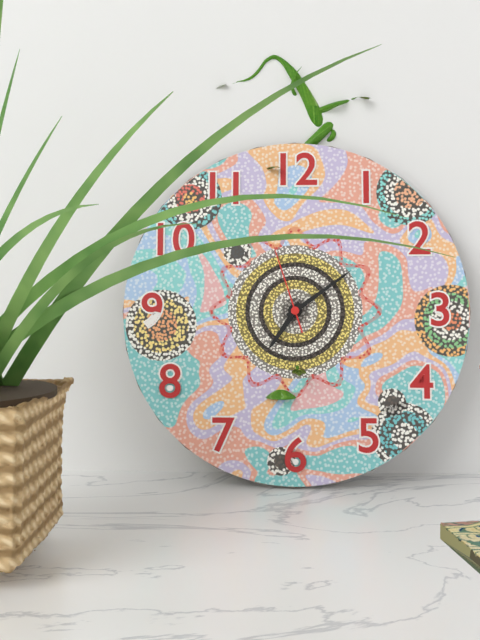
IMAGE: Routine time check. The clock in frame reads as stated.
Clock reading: 7:09:57
